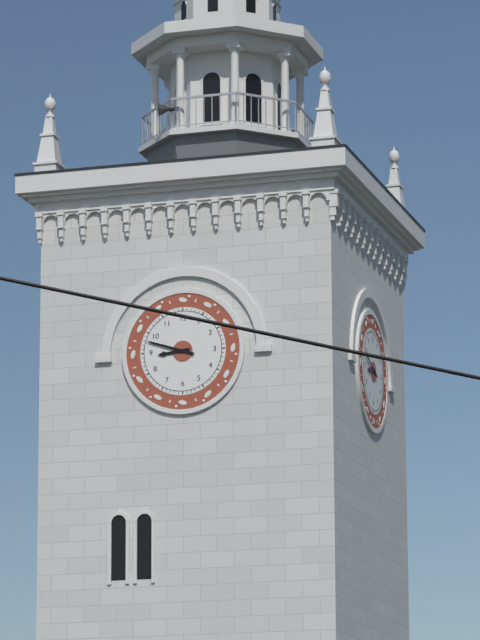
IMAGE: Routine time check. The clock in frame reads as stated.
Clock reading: 8:48
